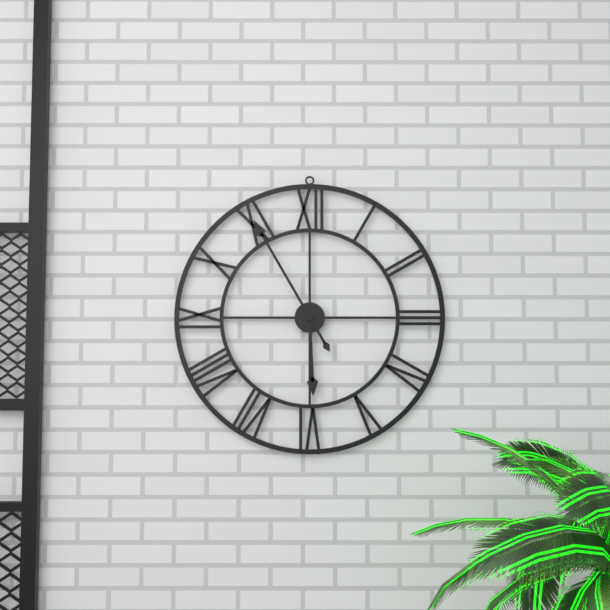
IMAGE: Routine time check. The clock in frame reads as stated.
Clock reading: 5:55
